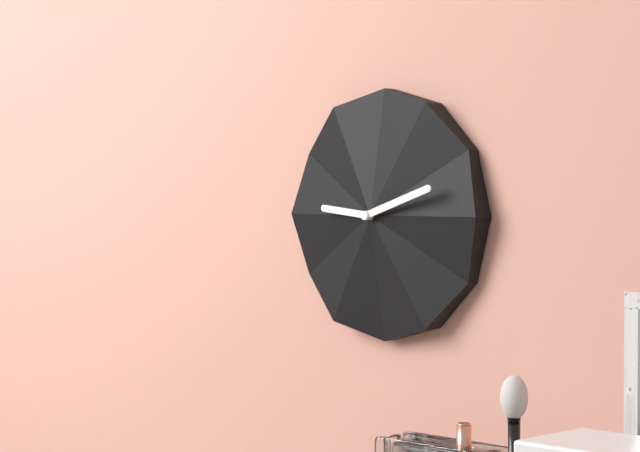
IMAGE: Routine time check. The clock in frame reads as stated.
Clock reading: 9:12
